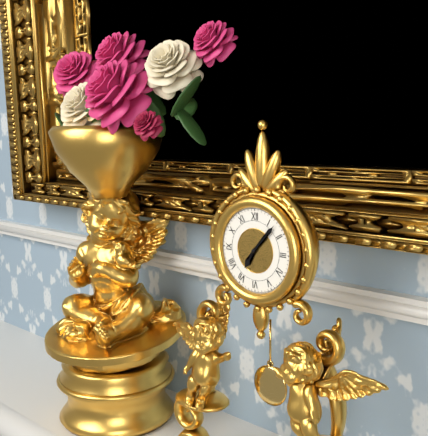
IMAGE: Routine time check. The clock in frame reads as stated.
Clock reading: 7:07
